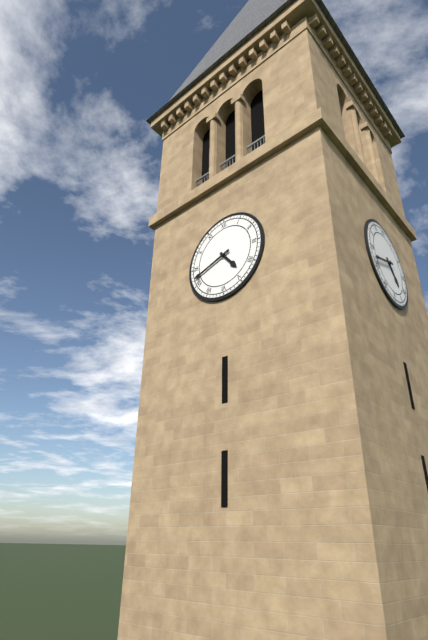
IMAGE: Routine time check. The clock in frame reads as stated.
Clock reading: 4:42
